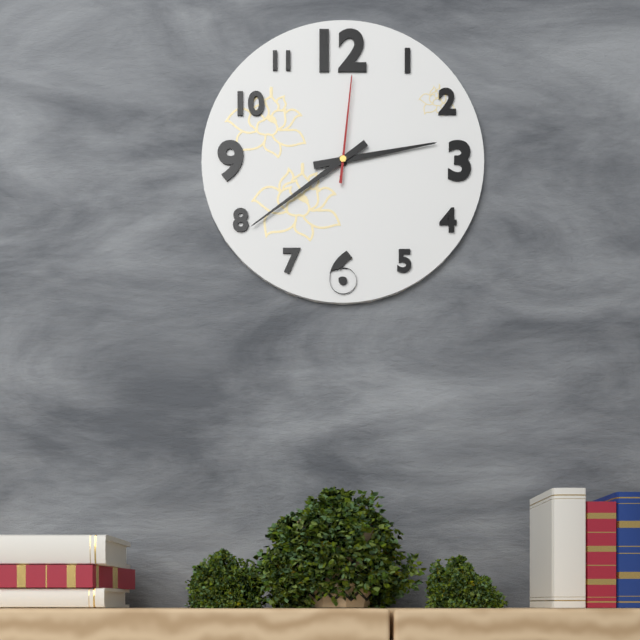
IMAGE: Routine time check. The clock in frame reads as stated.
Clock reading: 2:39:01
